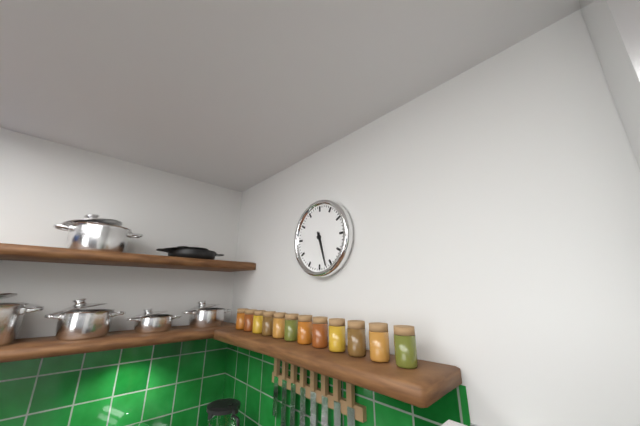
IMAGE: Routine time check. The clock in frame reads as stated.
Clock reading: 5:27
